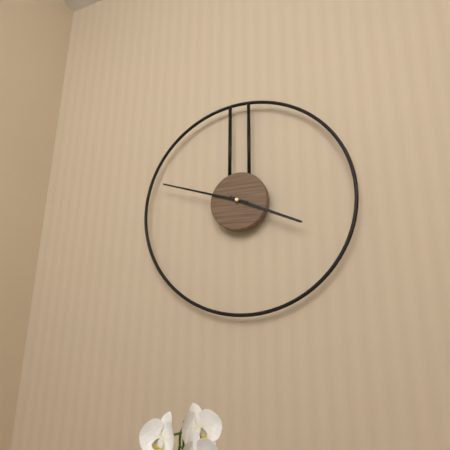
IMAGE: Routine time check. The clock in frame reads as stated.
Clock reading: 3:48
